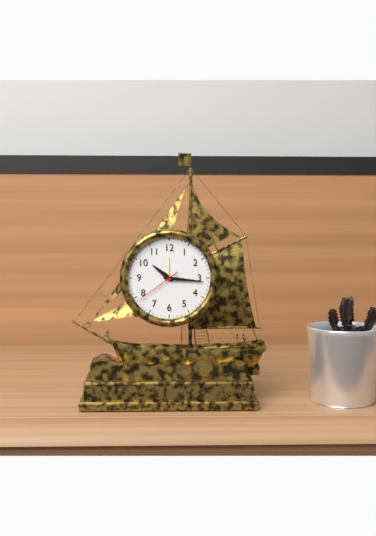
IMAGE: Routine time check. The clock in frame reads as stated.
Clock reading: 10:16
